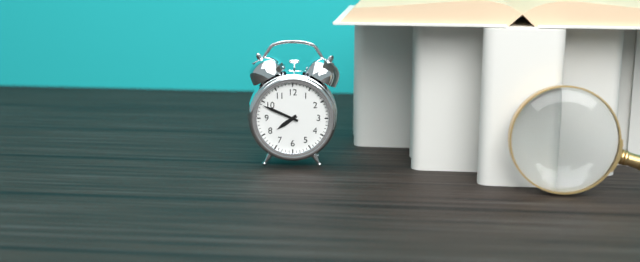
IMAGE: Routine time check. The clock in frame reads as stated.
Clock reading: 7:49
